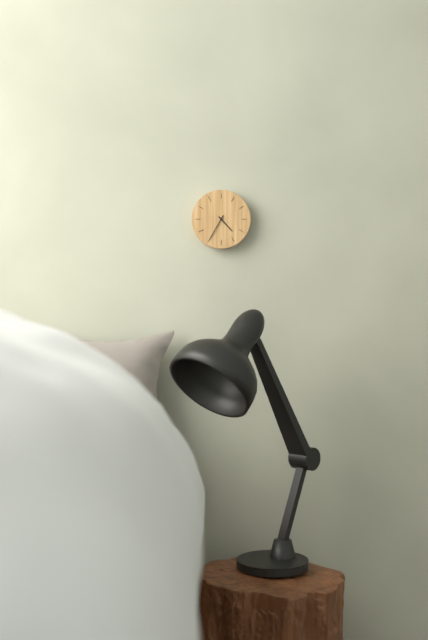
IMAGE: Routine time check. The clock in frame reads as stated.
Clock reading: 4:35
